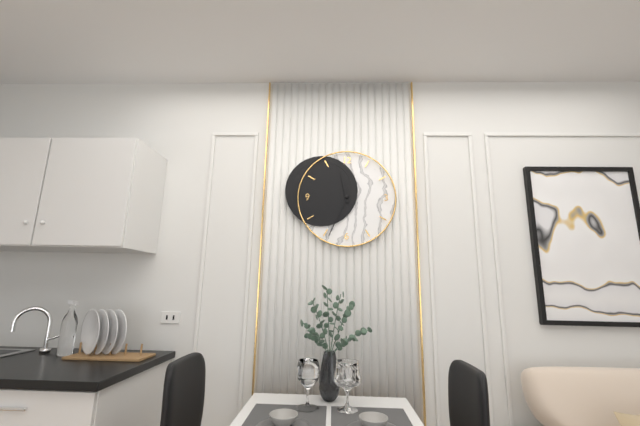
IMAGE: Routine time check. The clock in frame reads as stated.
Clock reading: 11:34
